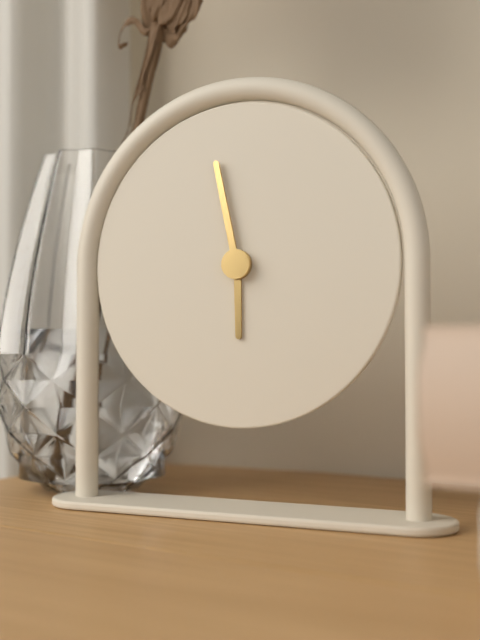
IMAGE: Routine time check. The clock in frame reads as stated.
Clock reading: 5:58
